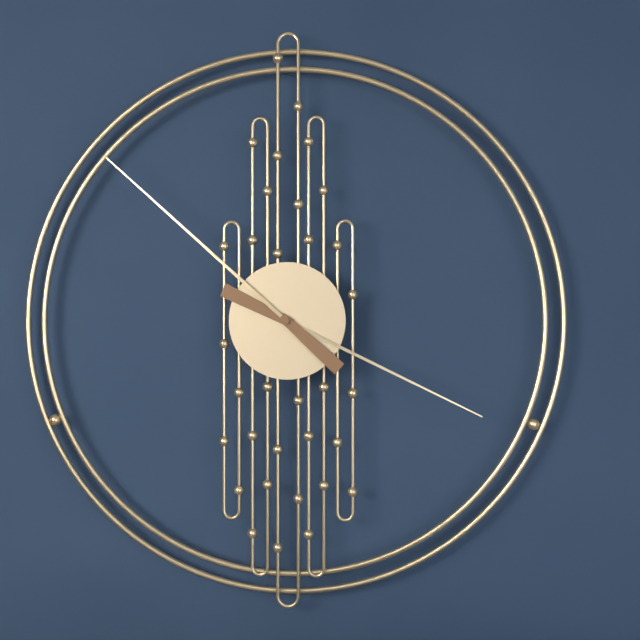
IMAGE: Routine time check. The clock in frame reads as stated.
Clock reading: 3:52
